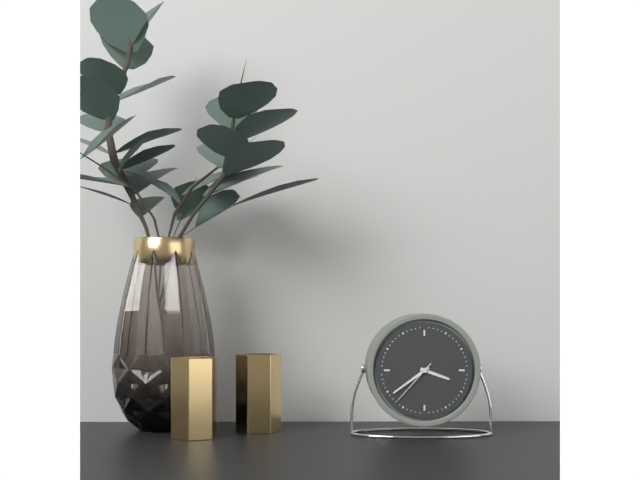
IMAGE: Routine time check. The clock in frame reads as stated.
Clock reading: 3:39:37
